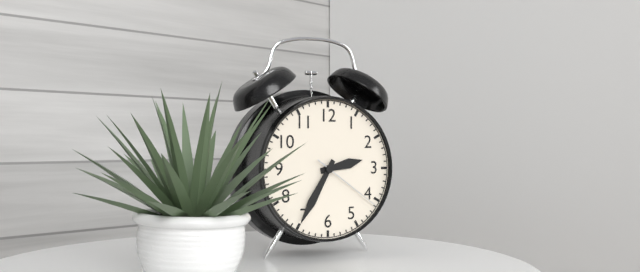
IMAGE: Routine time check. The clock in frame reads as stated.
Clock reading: 2:35:21
